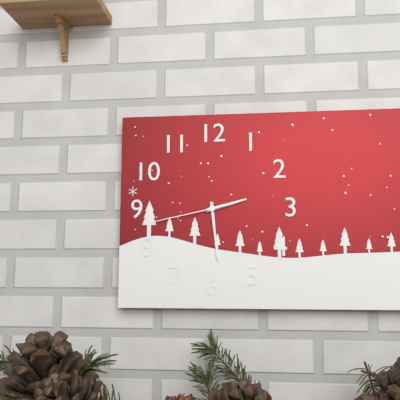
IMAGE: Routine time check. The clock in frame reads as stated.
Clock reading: 2:29:43
